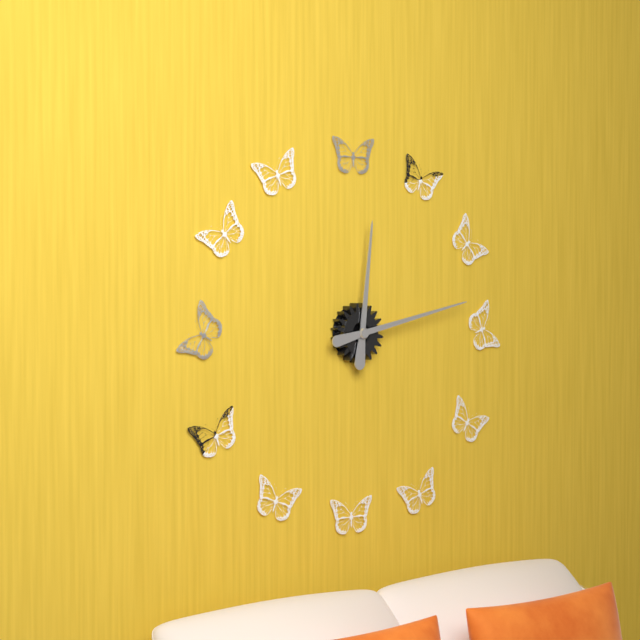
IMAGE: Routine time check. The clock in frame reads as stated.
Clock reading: 12:13
